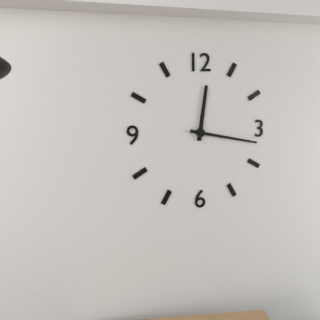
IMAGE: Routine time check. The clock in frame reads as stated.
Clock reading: 12:17
